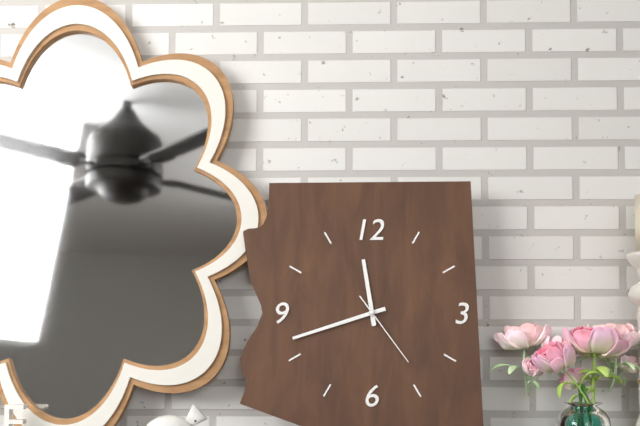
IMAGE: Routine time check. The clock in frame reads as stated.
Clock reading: 11:42:24
